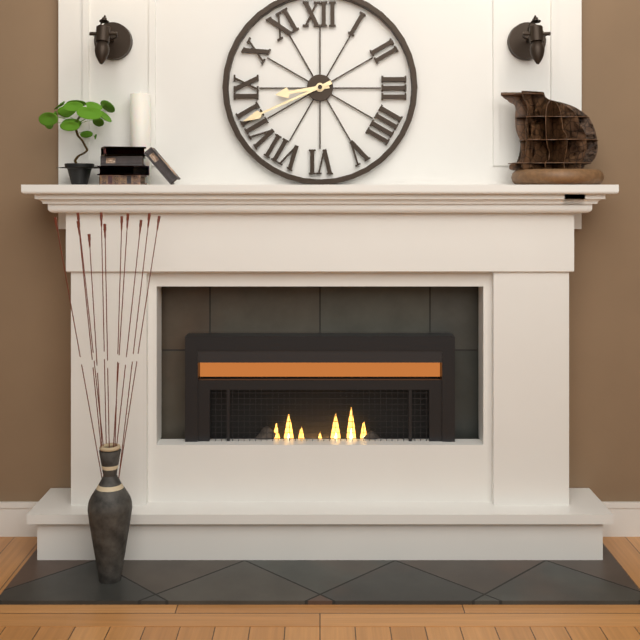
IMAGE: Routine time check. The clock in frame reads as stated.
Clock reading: 8:41
